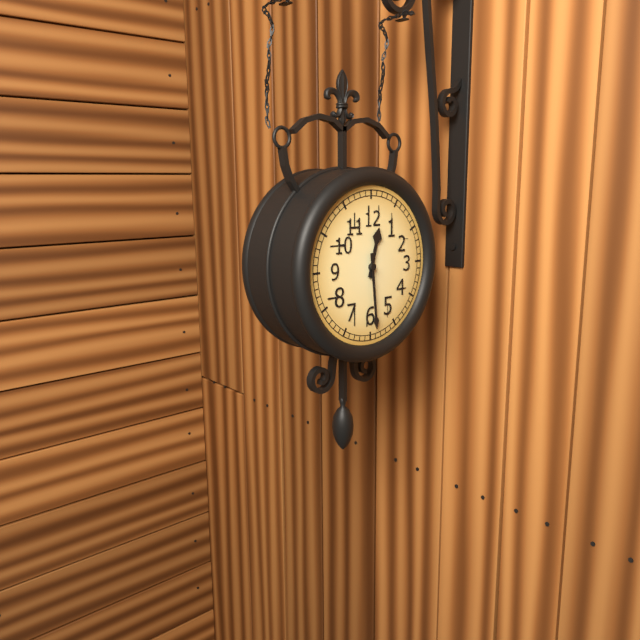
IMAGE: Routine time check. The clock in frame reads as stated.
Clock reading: 12:29
